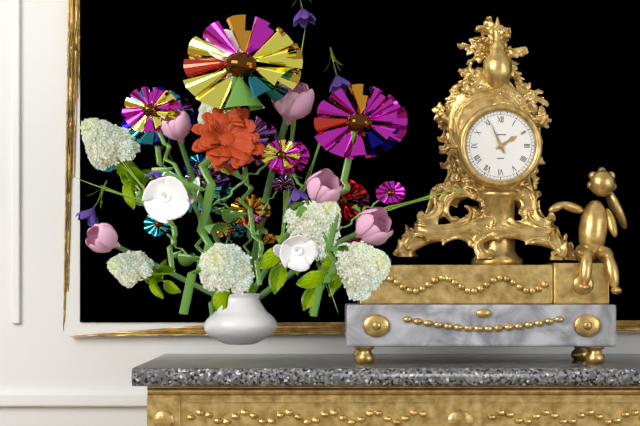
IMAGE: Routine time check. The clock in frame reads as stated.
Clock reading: 1:56
